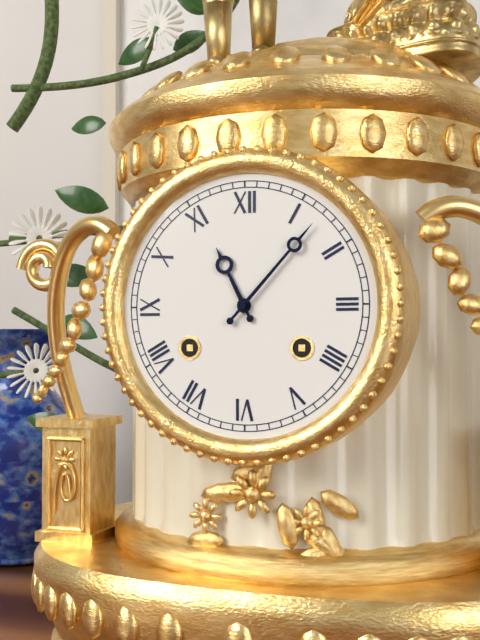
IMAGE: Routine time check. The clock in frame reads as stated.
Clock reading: 11:07
